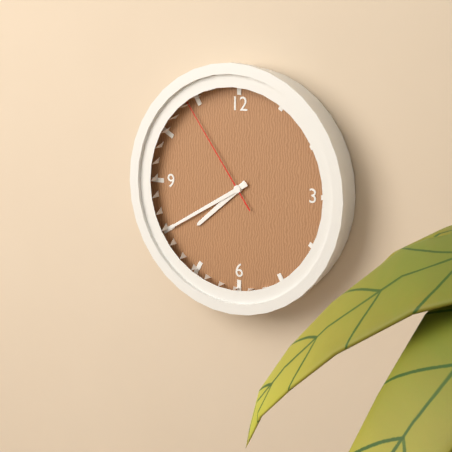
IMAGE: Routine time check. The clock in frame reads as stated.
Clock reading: 7:40:54
